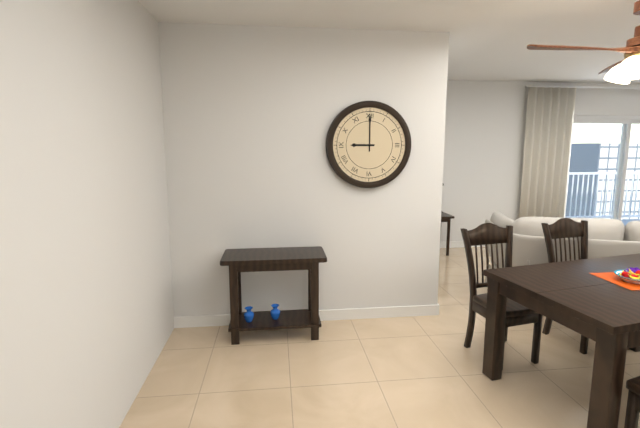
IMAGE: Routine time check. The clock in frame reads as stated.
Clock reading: 9:00
